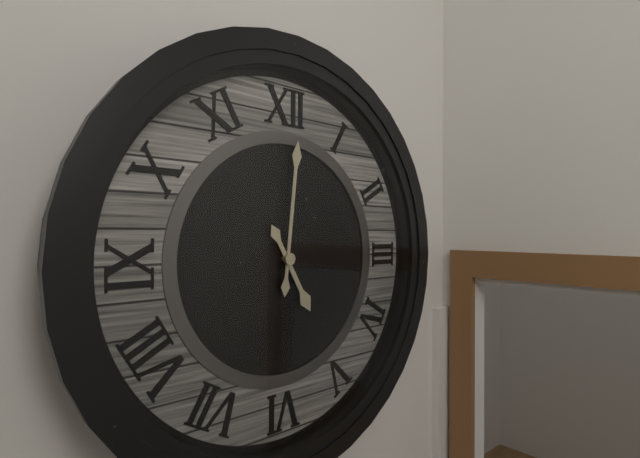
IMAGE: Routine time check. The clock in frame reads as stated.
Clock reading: 5:01
